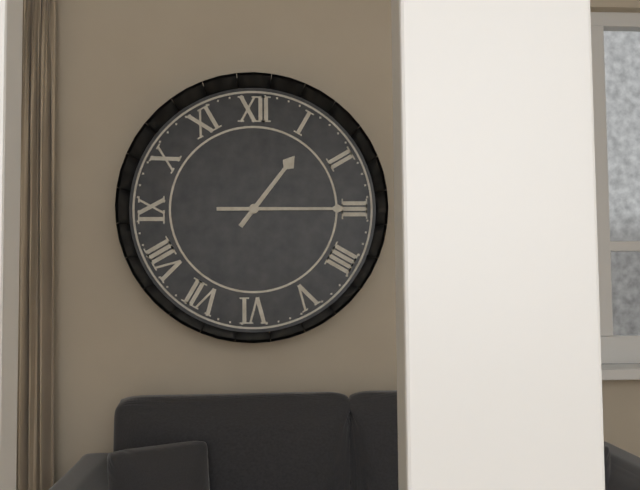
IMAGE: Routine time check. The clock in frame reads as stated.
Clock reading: 1:15
